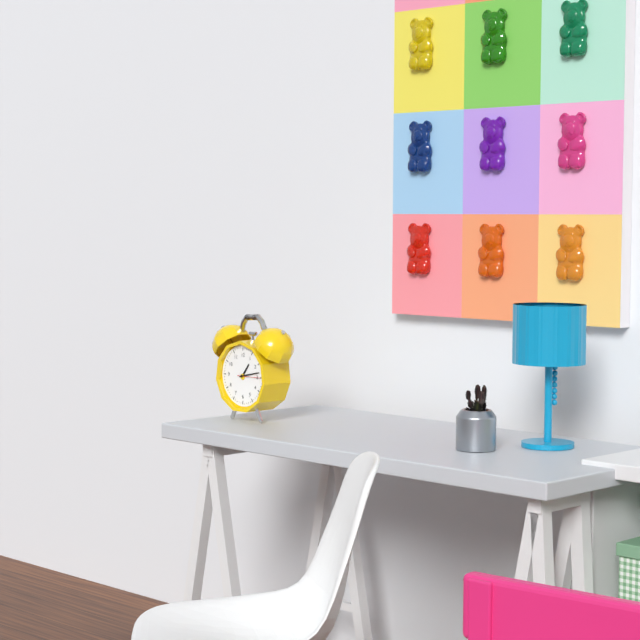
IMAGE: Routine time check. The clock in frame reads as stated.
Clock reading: 1:13
